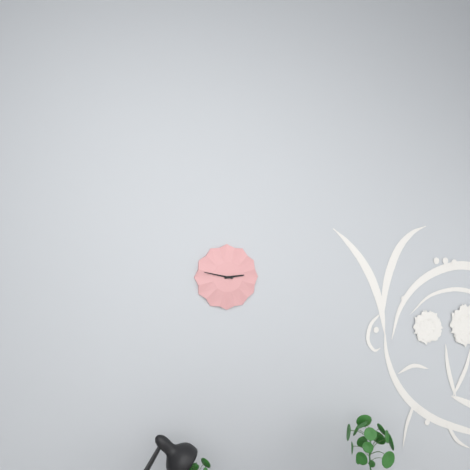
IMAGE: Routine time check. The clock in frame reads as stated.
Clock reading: 2:47
